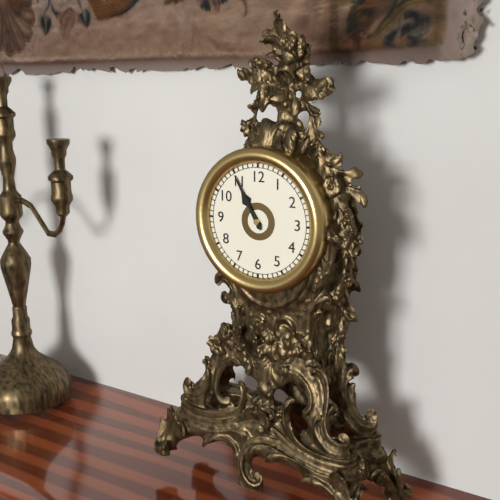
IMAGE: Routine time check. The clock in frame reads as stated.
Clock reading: 10:55
